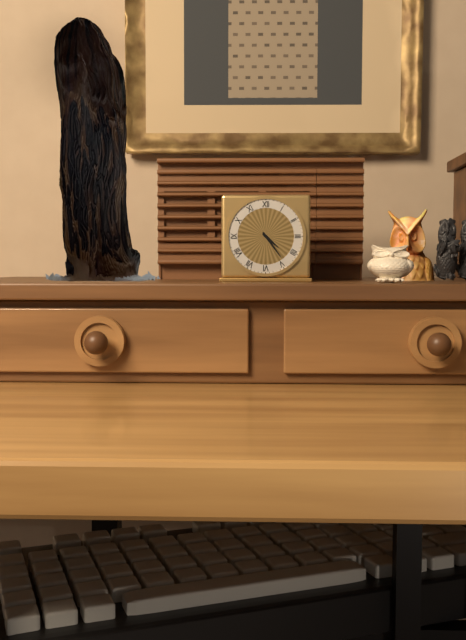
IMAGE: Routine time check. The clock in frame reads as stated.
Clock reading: 4:24
